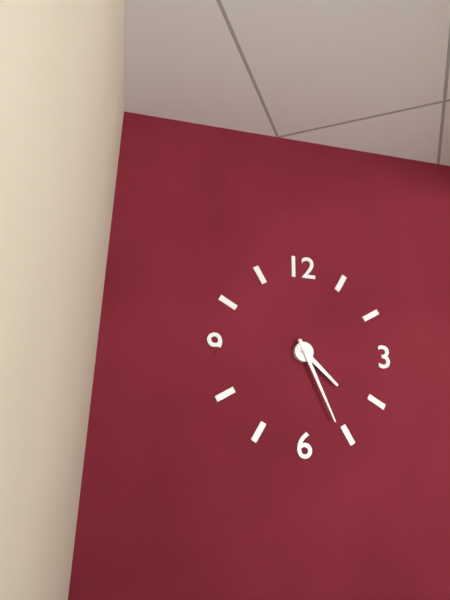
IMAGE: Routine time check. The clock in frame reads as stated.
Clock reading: 4:26
